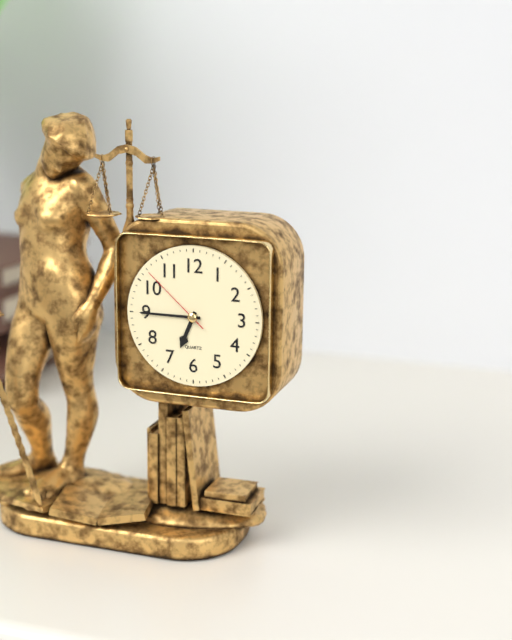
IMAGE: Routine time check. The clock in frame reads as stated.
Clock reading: 6:45:52
